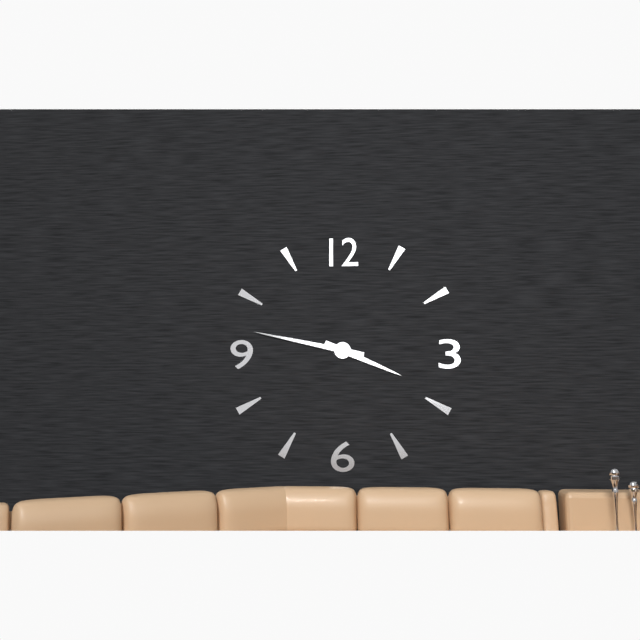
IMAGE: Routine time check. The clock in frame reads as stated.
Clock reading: 3:47
